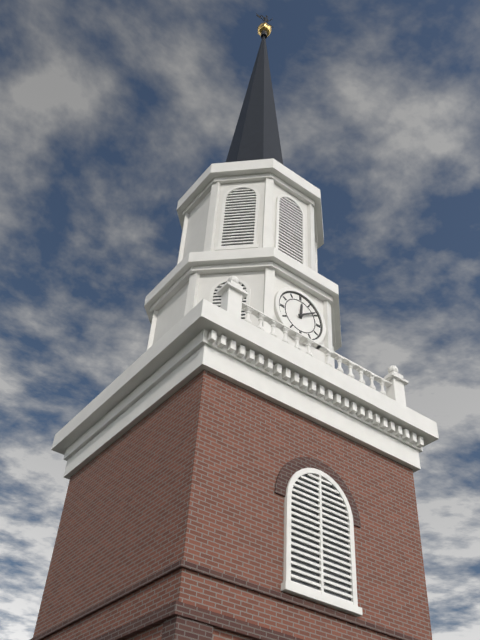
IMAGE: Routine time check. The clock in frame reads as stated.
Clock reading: 12:09
